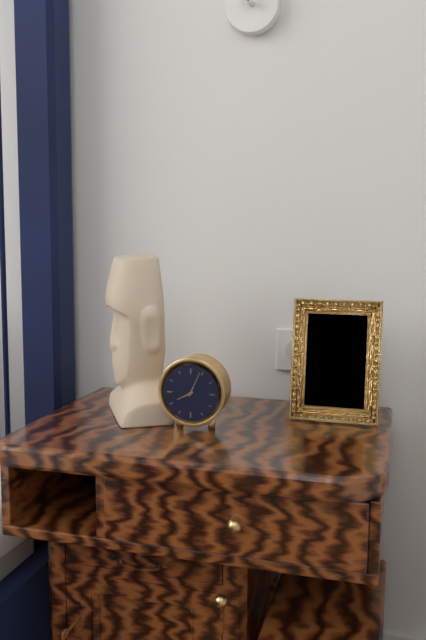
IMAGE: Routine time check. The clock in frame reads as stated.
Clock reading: 8:04
